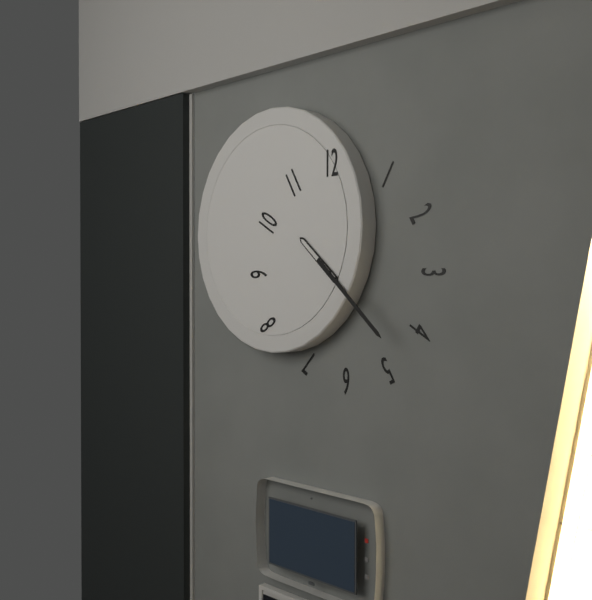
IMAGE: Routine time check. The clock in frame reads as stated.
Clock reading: 10:22
